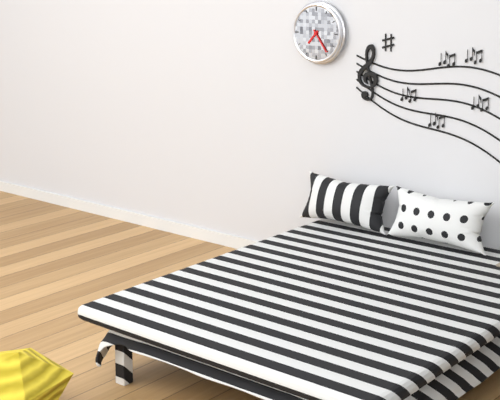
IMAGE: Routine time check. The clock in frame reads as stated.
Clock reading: 7:24
